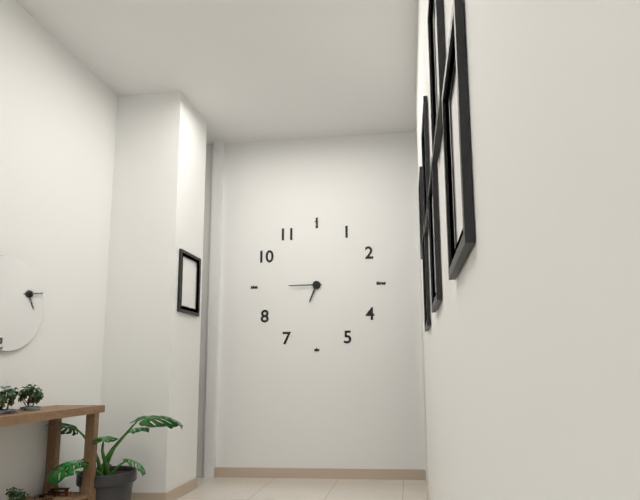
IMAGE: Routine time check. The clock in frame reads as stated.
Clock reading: 6:45
